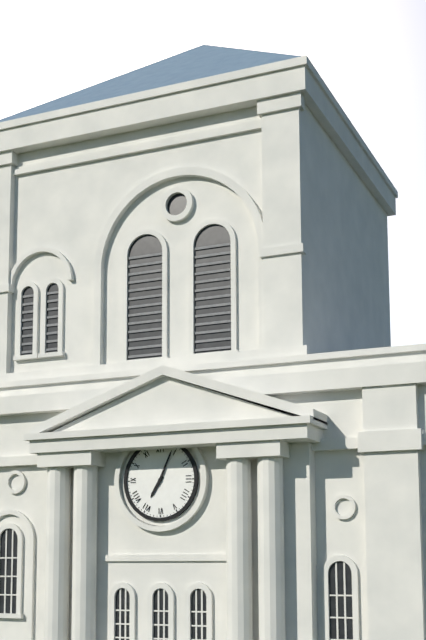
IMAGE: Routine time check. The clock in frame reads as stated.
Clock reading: 7:04
